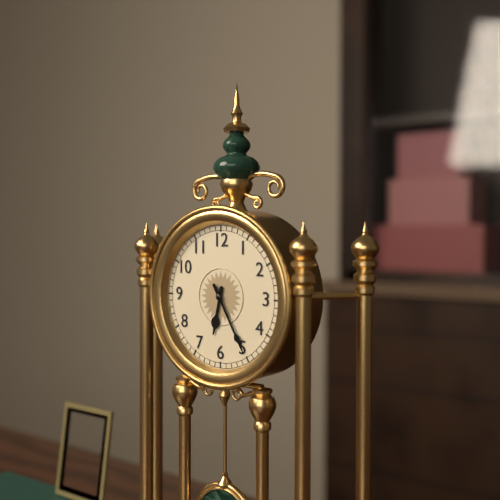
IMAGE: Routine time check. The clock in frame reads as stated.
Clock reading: 6:25
